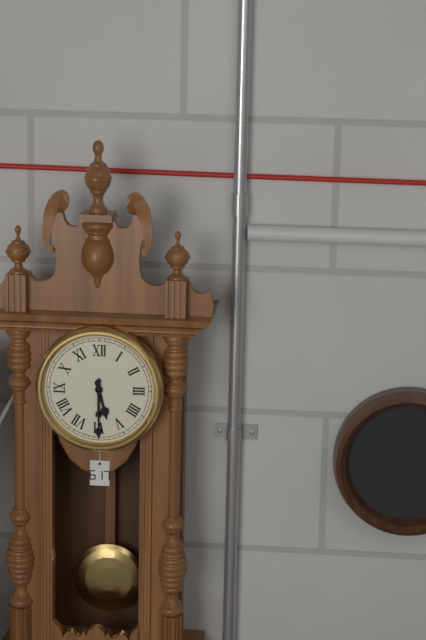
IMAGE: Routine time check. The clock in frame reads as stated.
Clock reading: 5:30
